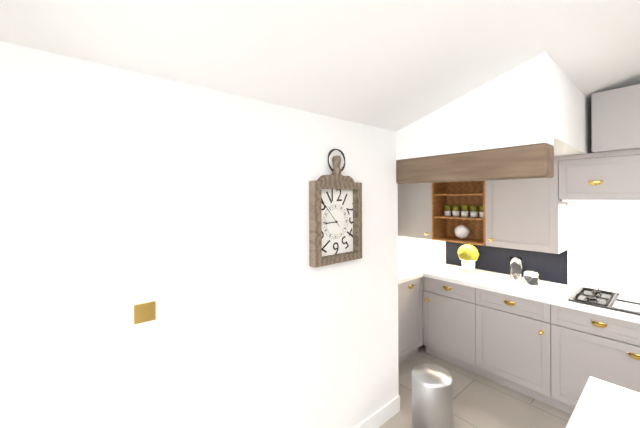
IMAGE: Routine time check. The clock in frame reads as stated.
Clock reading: 8:53
